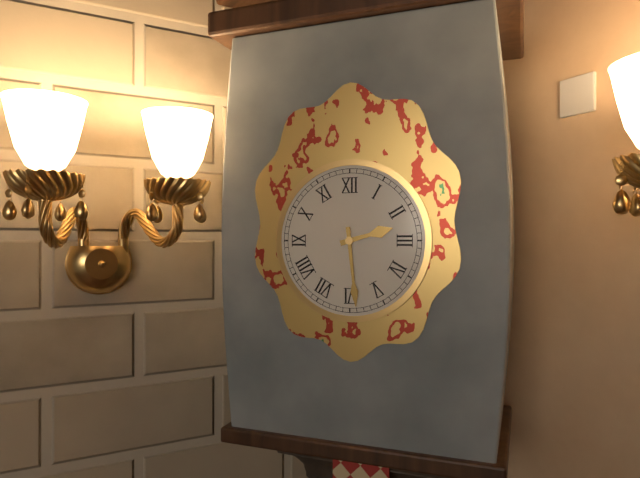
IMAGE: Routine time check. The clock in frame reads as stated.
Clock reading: 2:29
